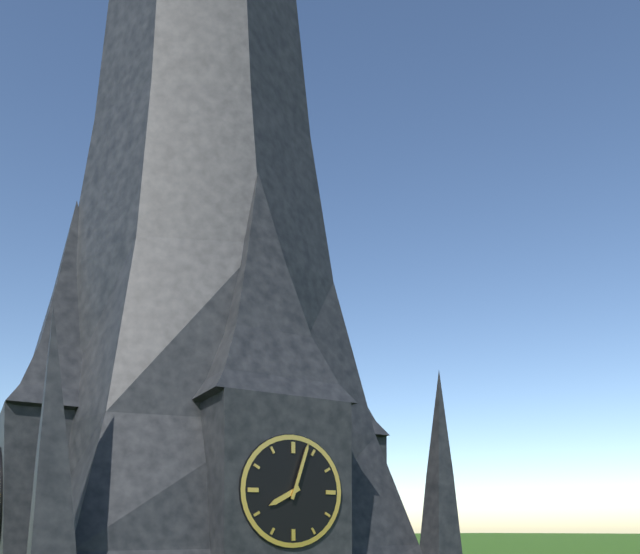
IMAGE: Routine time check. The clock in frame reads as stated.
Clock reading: 8:03
